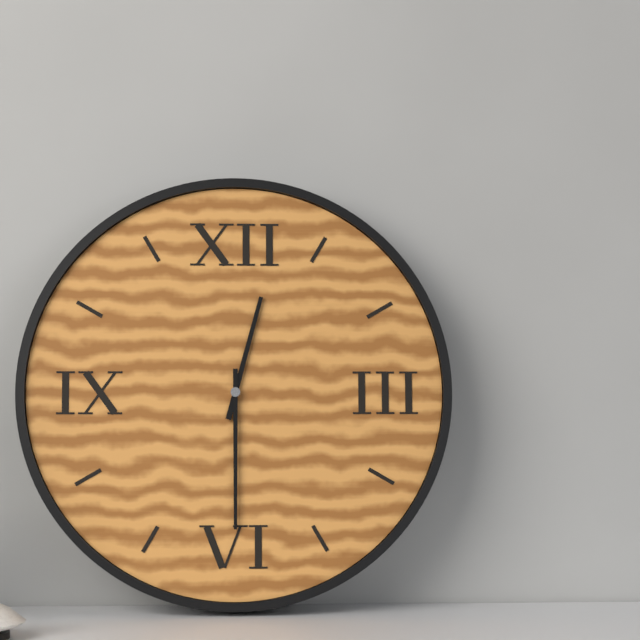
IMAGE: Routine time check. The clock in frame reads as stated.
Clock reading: 12:30
